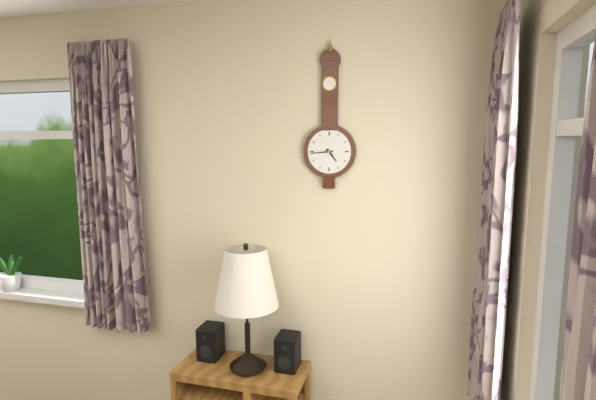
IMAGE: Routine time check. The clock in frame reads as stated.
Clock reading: 4:44
